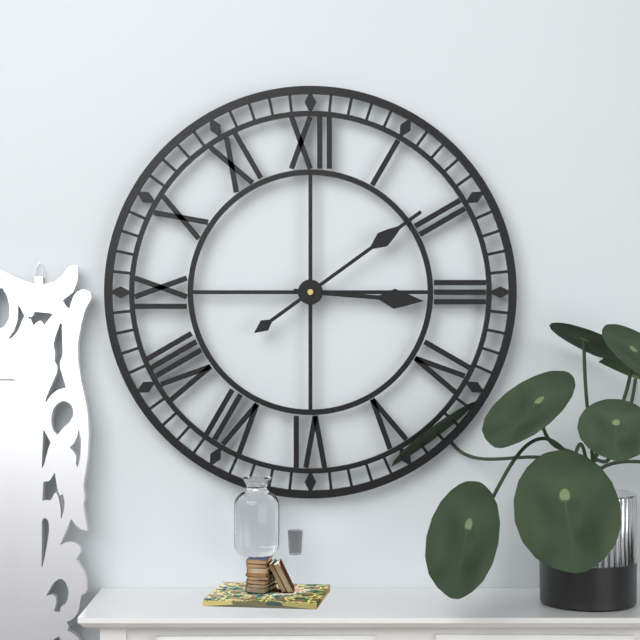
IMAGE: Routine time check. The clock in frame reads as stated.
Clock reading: 3:09
